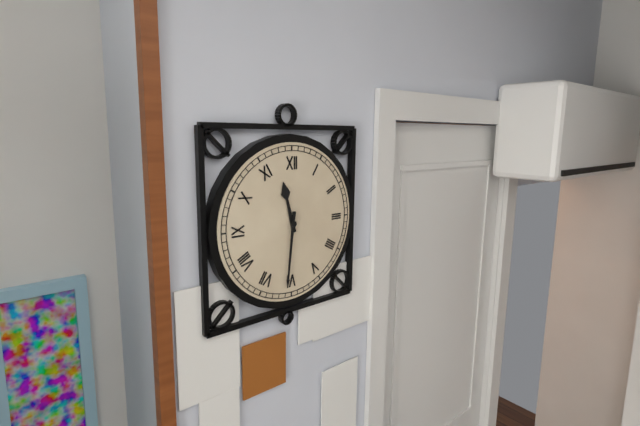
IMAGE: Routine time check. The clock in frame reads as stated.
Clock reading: 11:31
